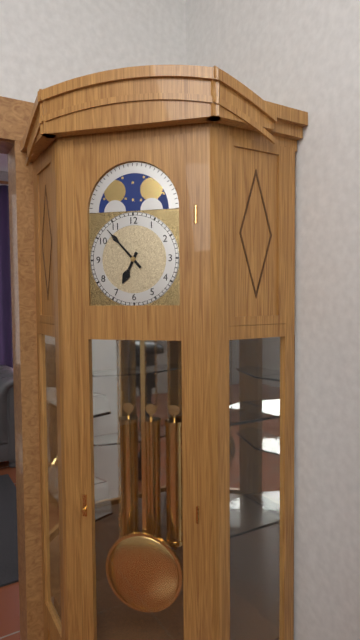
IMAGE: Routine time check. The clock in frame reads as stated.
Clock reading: 6:53
